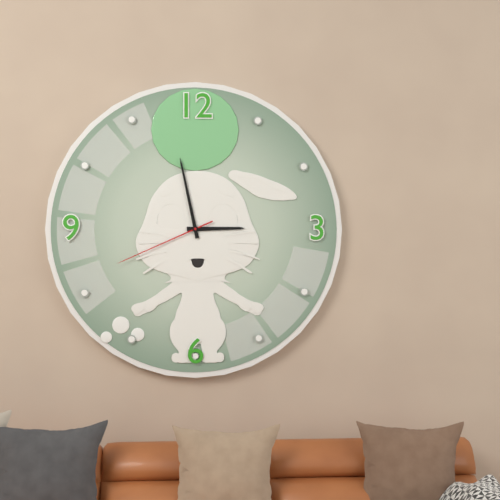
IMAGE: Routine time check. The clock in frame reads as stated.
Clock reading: 2:58:41
